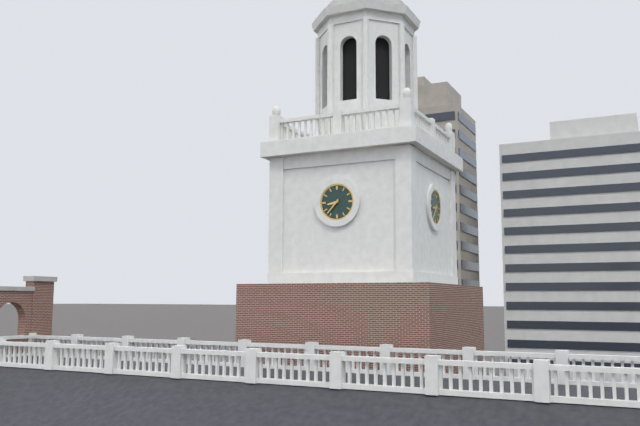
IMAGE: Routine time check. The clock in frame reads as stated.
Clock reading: 8:37
